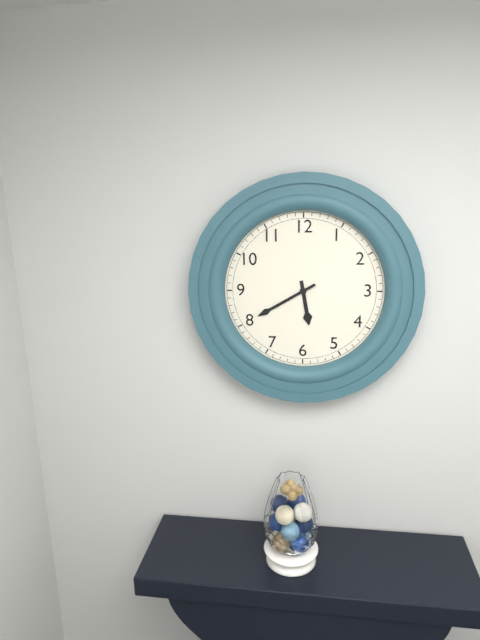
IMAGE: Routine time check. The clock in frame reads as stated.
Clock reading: 5:40
